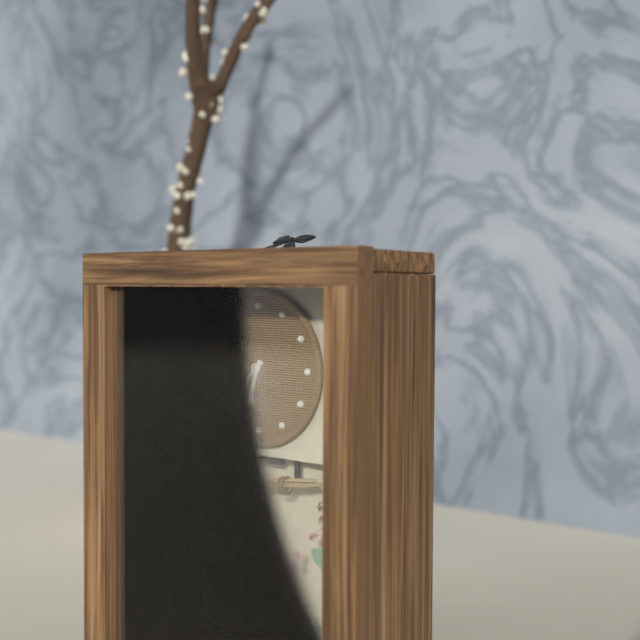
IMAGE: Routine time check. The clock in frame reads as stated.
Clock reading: 6:38
